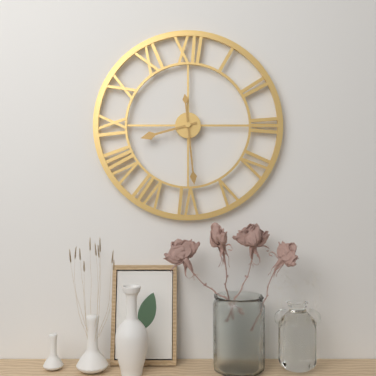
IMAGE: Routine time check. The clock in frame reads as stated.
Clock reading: 8:29
